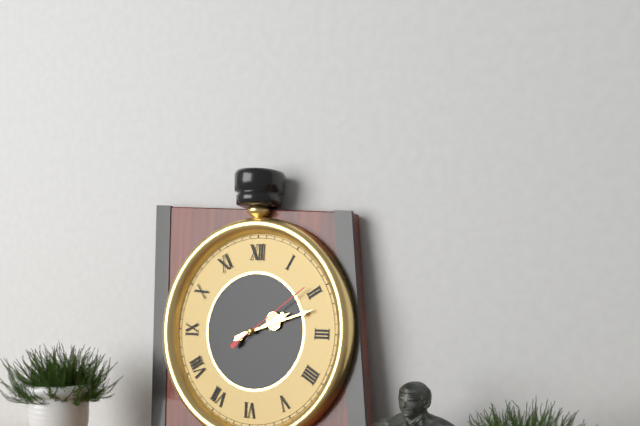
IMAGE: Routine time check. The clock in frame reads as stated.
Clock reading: 2:12:09
